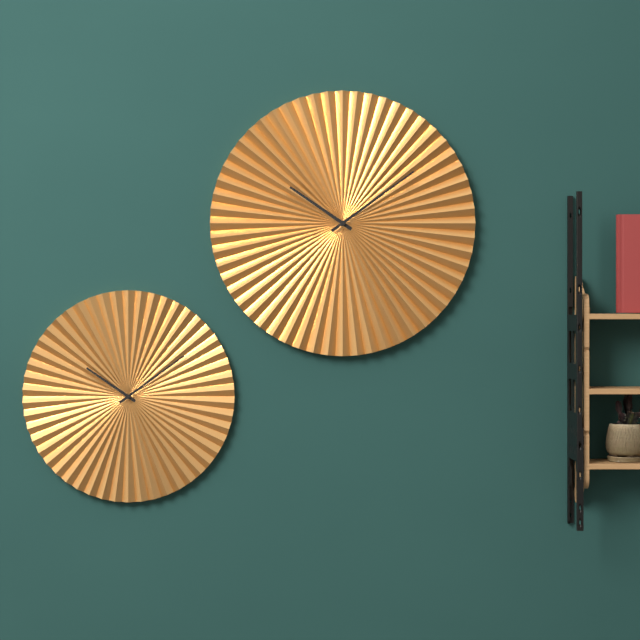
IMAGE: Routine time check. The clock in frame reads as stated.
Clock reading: 10:09
